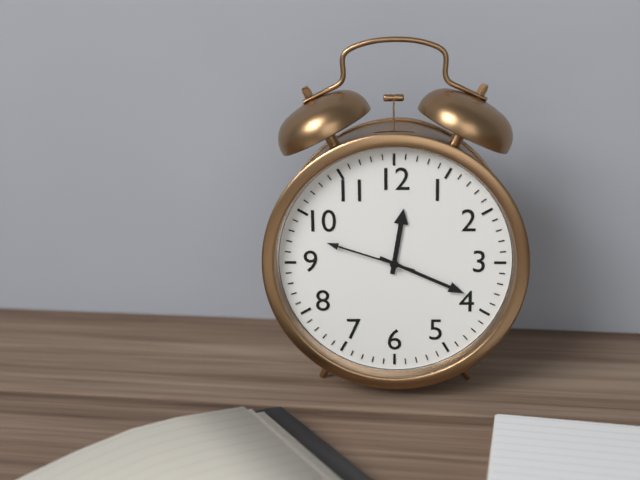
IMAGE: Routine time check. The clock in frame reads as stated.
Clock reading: 12:19:48
